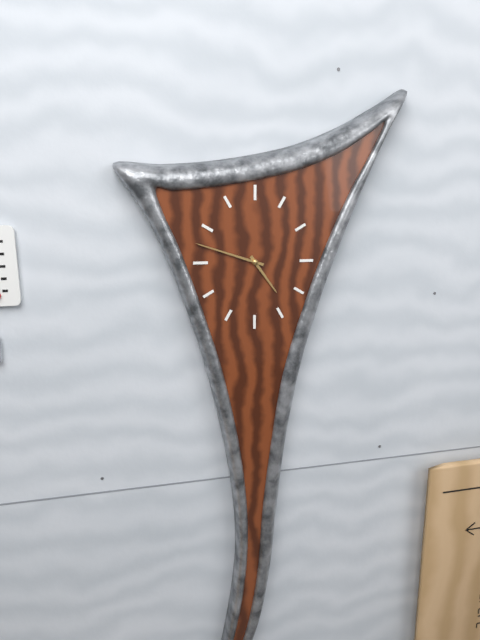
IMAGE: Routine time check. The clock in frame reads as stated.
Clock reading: 4:48
